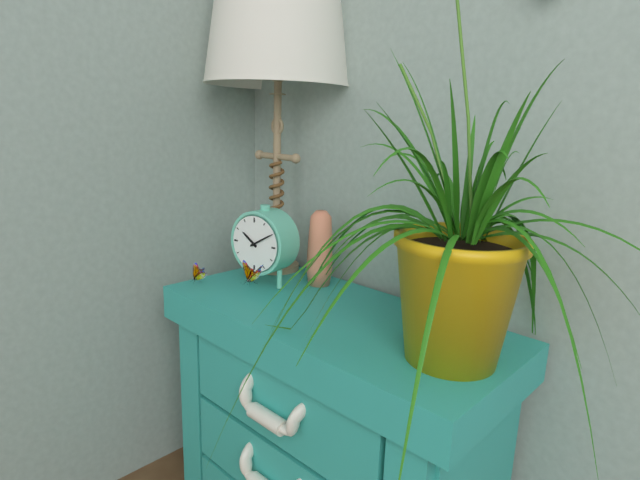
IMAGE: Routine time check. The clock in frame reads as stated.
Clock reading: 10:10
